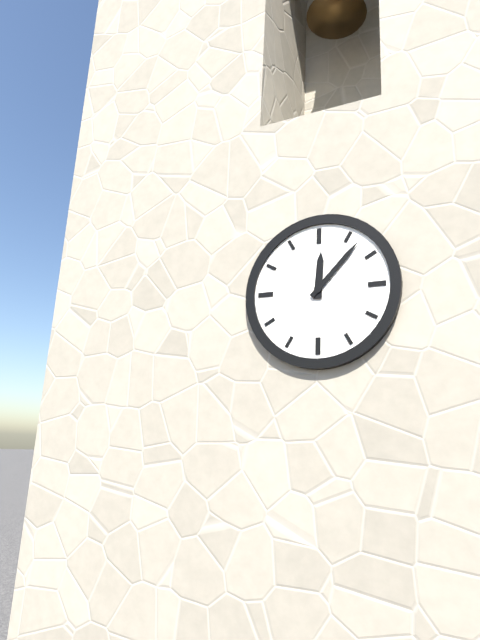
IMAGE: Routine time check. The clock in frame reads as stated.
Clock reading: 12:07
